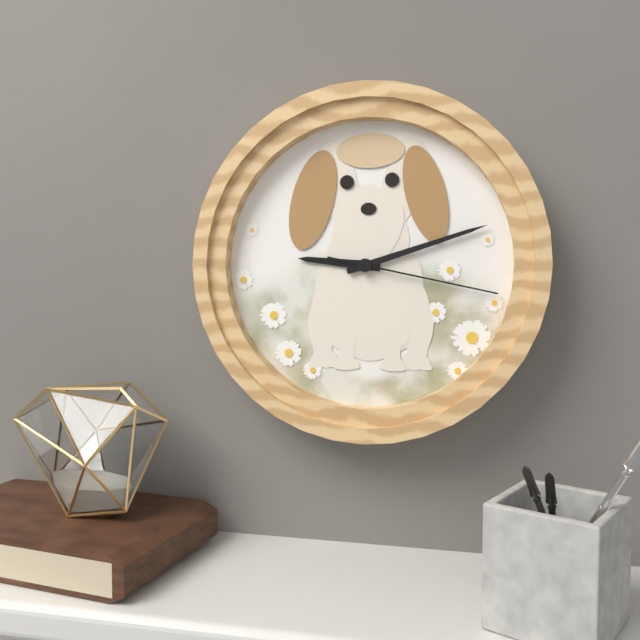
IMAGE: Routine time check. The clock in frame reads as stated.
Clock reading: 9:12:17
